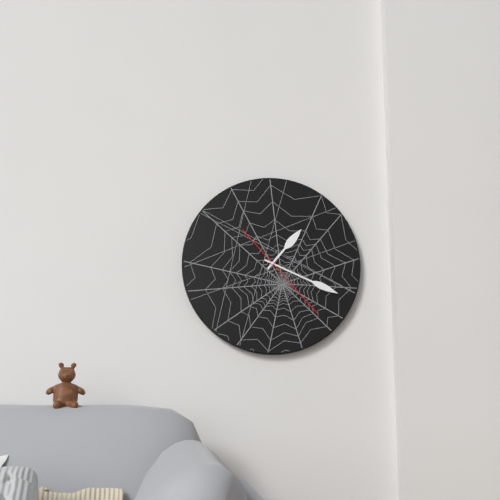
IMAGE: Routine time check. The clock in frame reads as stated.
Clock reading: 1:19:23
